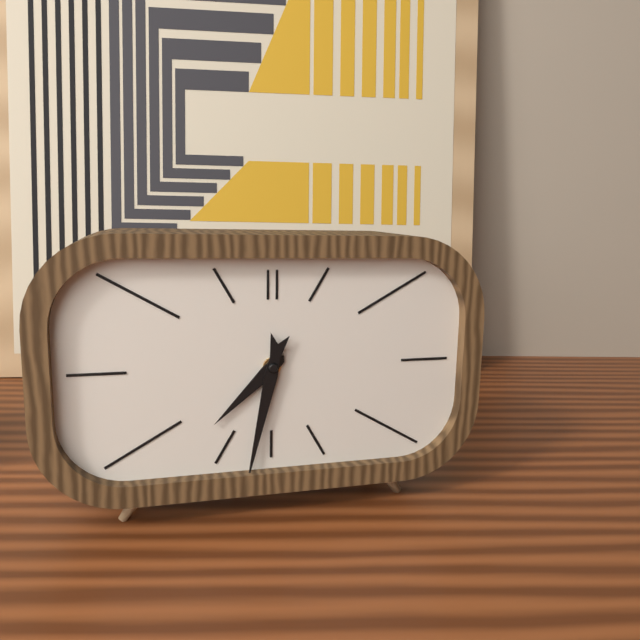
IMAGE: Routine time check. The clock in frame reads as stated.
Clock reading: 7:32
